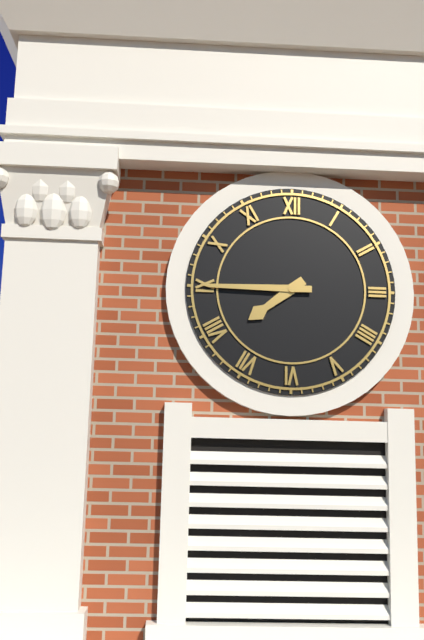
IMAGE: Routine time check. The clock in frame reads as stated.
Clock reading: 7:45
